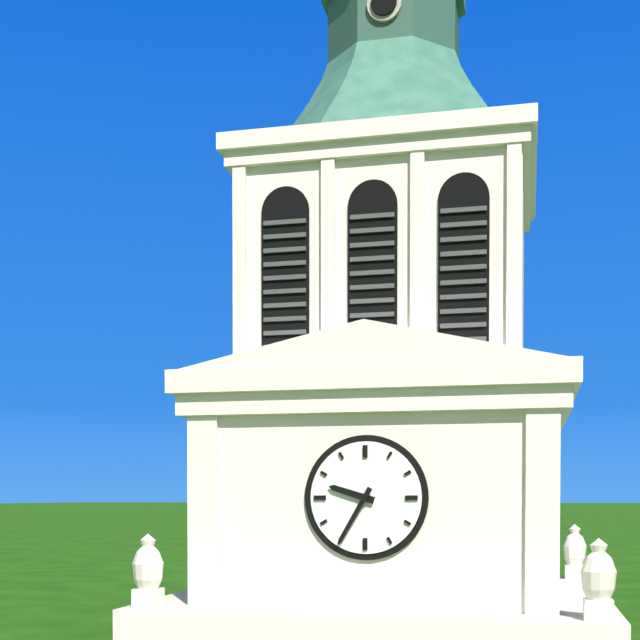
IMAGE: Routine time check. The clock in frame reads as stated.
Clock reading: 9:35
